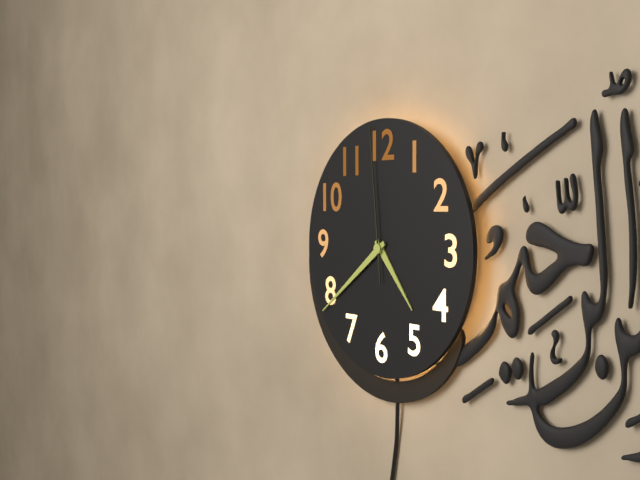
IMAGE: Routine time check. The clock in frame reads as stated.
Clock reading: 4:39:59
